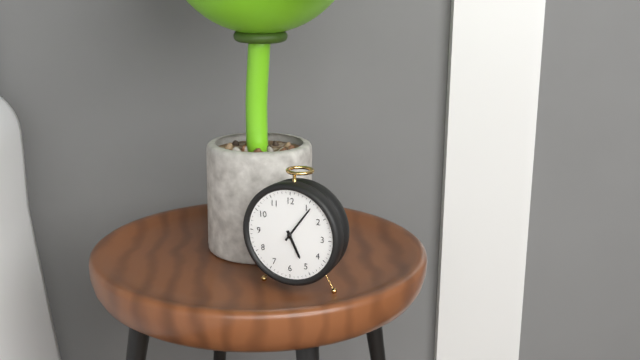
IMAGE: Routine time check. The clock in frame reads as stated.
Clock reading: 5:06
